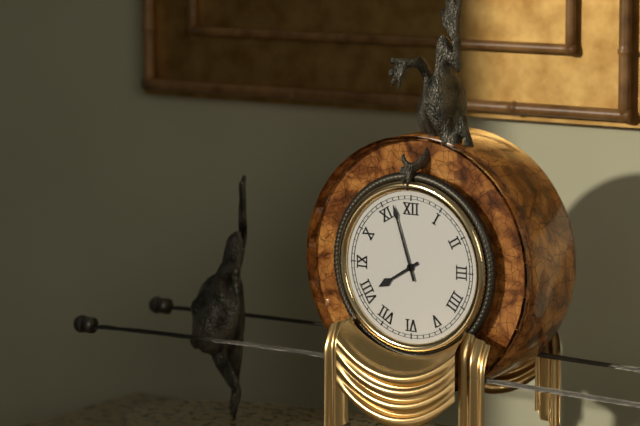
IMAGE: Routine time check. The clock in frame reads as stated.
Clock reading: 7:57
